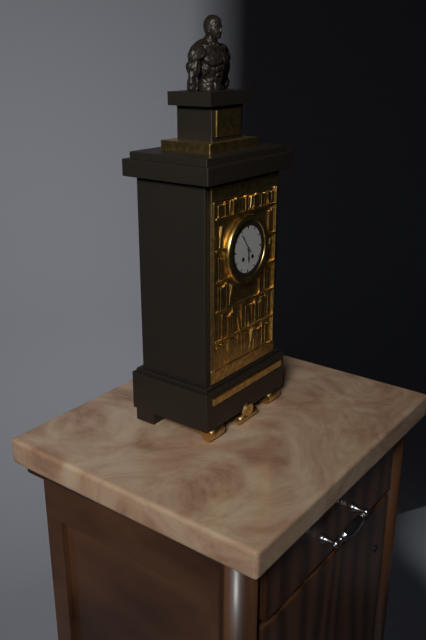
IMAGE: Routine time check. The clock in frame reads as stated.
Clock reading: 5:54
